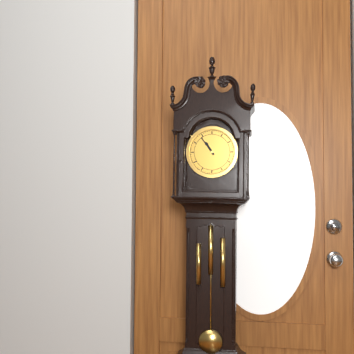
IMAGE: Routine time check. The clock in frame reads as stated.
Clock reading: 10:54
